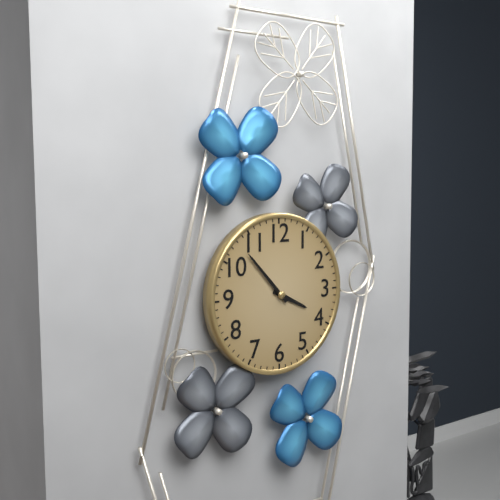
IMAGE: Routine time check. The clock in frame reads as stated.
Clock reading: 3:53
